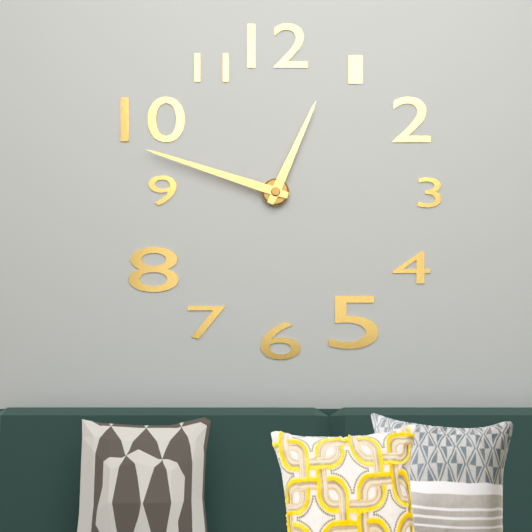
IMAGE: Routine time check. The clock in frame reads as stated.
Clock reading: 12:48
